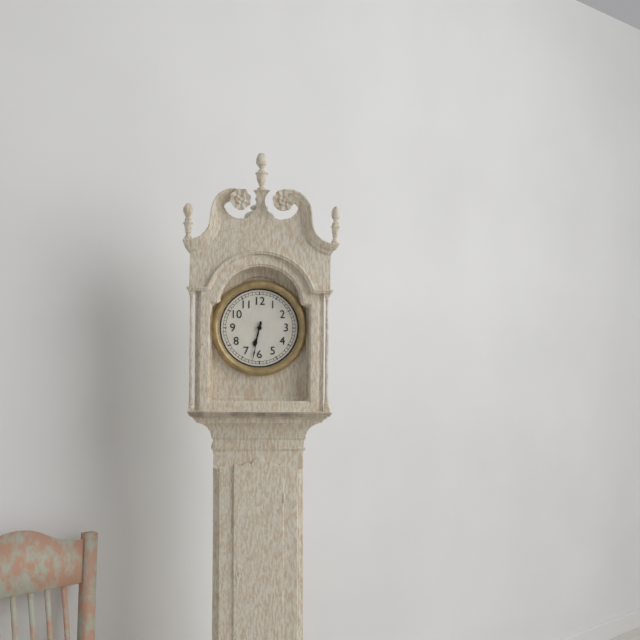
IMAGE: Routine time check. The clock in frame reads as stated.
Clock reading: 6:32
